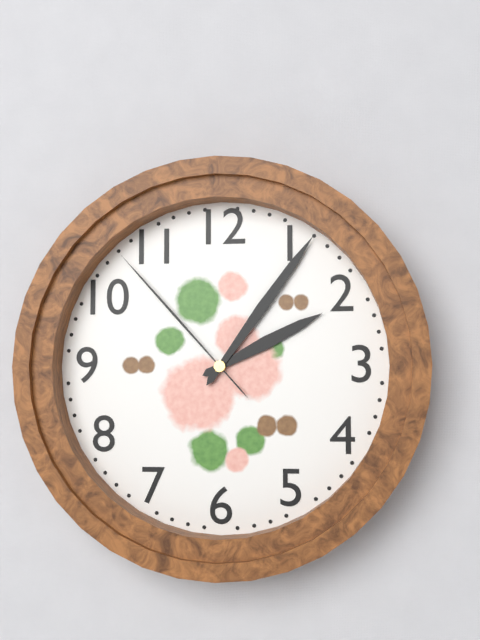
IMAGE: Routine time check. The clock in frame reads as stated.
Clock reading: 2:06:53
